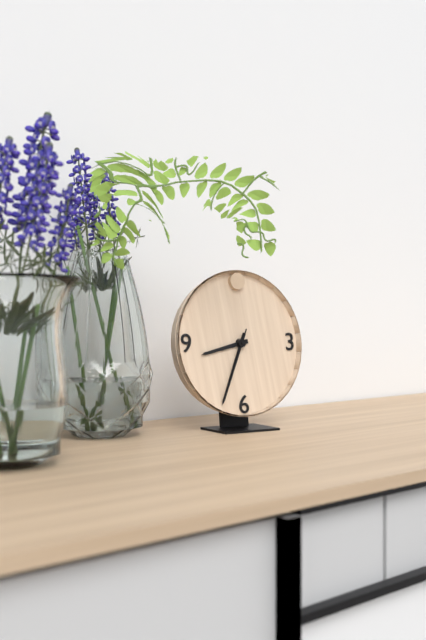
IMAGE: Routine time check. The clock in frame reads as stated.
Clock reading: 8:34:34
